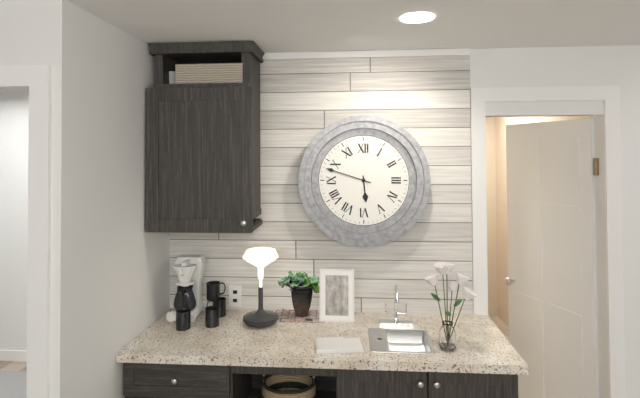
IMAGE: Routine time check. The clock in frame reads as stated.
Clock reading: 5:48
